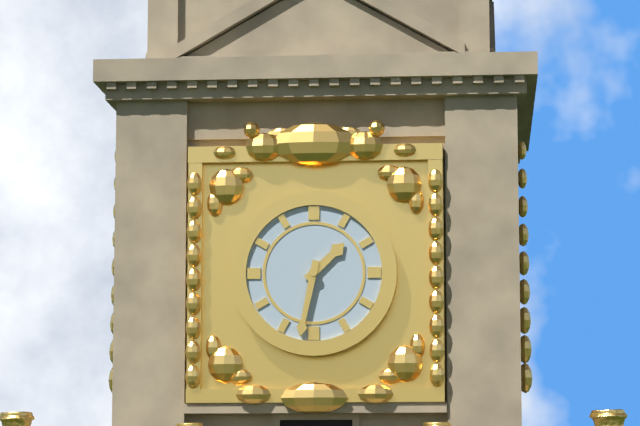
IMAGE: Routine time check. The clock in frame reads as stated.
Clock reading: 1:32
